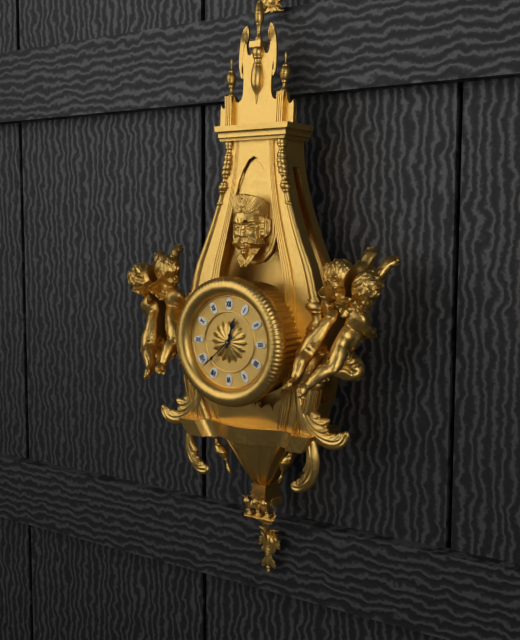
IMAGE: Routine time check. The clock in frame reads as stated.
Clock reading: 12:38
